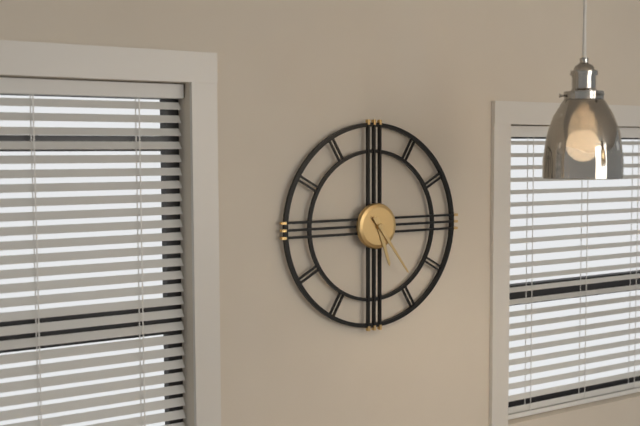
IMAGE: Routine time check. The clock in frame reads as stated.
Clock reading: 5:24
